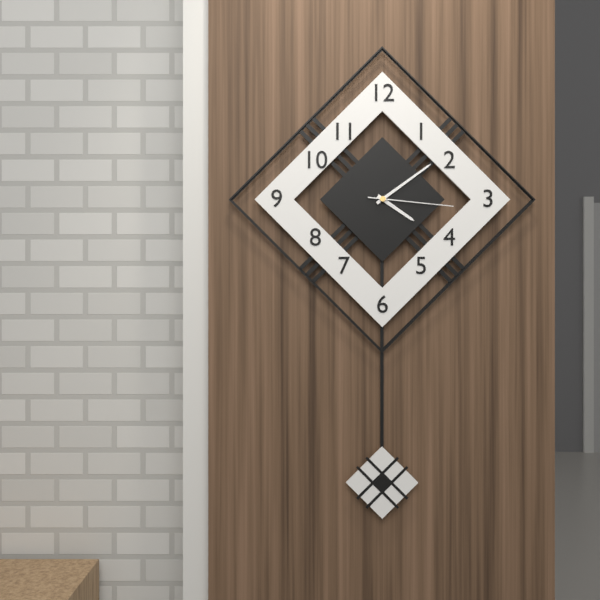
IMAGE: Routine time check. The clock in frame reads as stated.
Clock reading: 4:09:16
